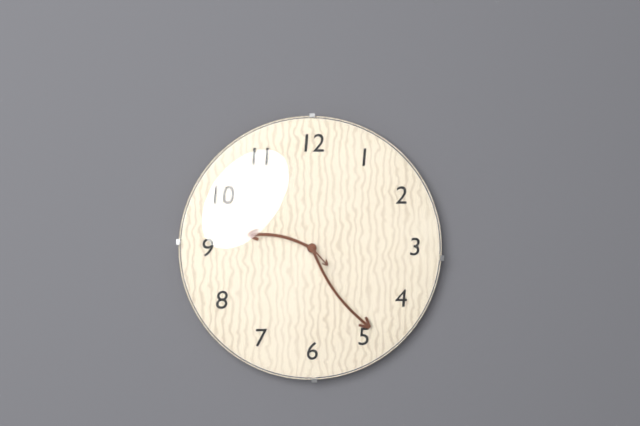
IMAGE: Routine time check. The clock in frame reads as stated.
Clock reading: 9:24
